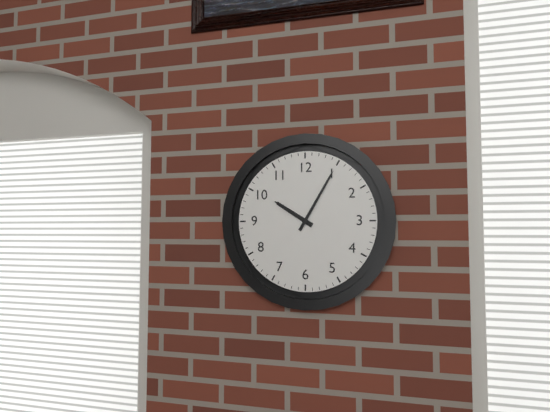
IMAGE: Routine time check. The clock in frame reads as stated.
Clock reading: 10:05
